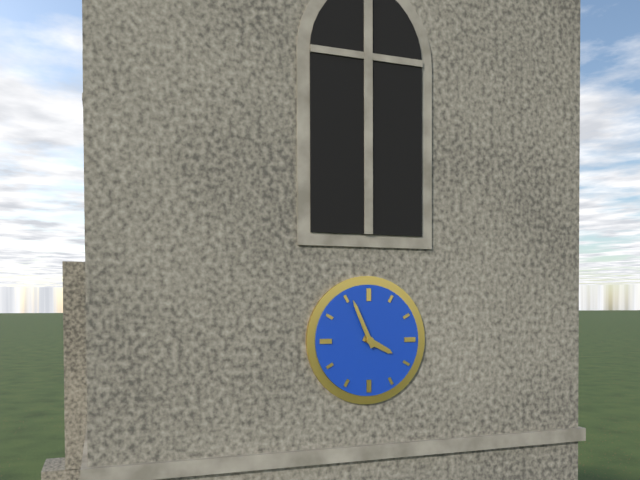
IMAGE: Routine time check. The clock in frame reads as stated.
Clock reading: 3:56
